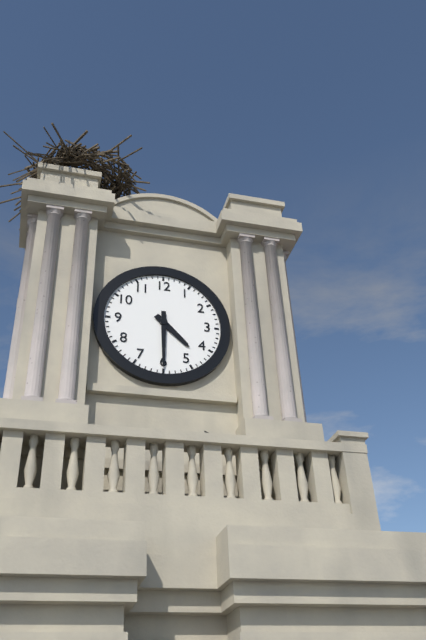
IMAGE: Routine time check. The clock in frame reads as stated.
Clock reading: 4:30
